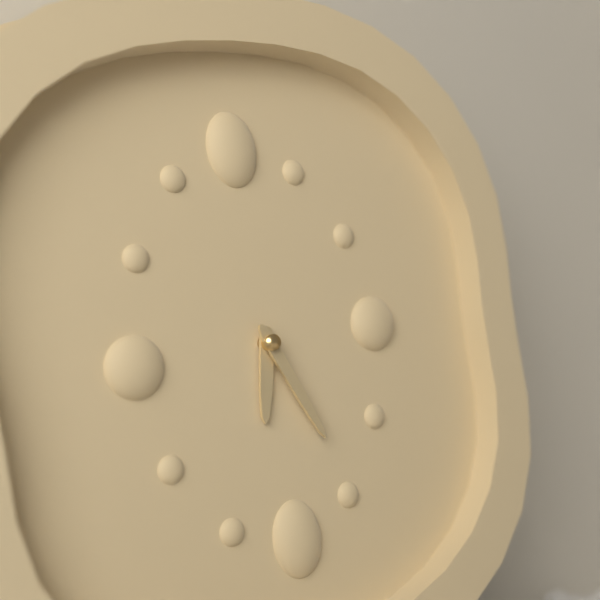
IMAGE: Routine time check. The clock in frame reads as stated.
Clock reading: 6:26
